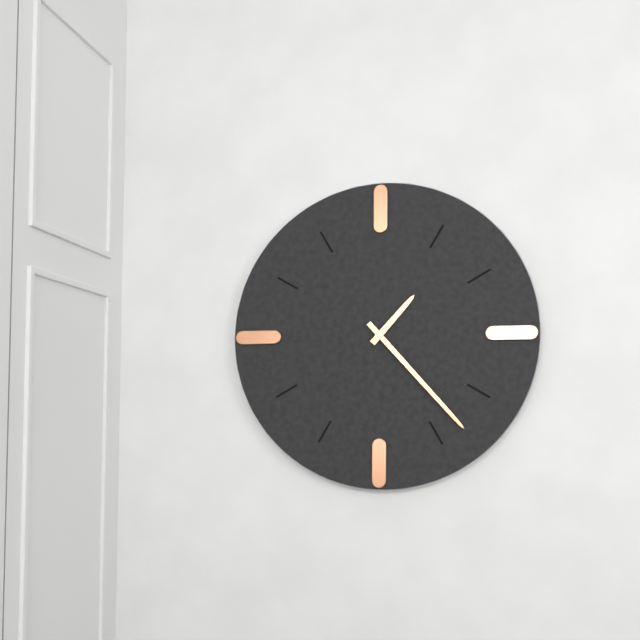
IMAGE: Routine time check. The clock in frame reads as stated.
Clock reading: 1:23
